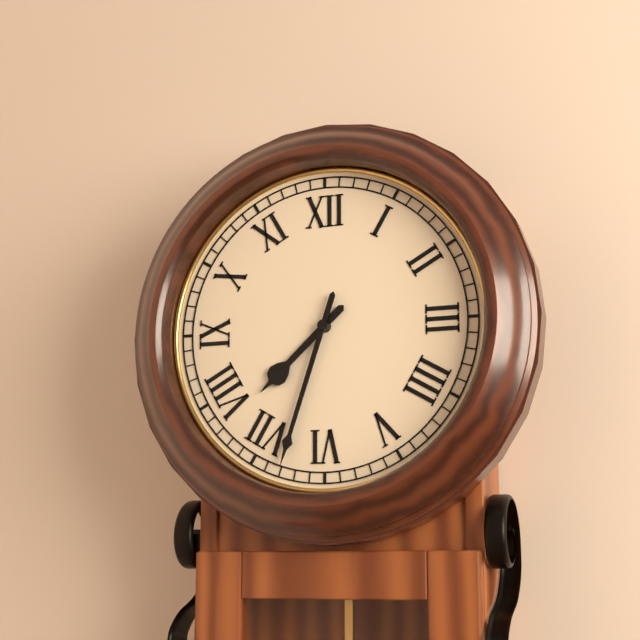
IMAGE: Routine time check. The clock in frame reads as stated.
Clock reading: 7:33
